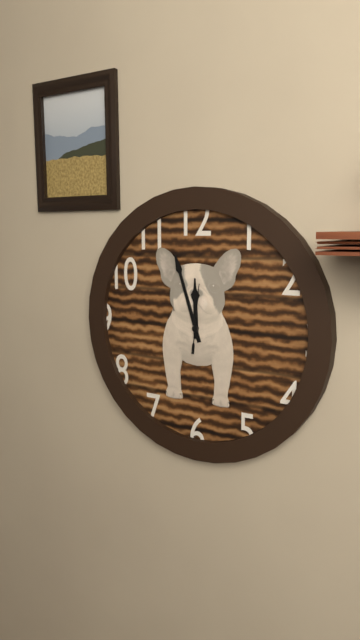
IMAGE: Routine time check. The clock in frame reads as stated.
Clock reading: 11:57:01
